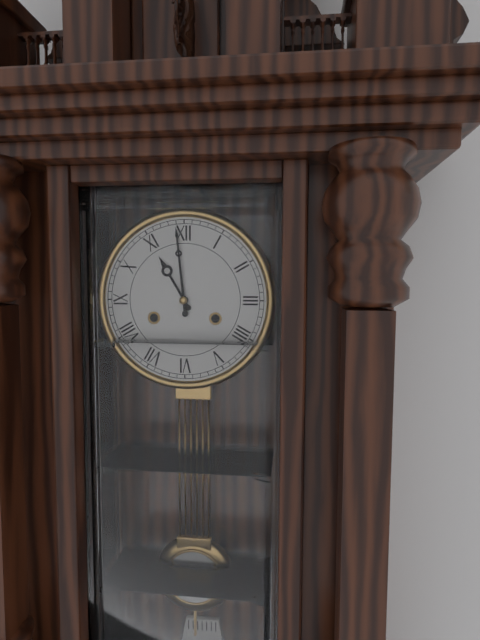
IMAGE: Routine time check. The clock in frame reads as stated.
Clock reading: 10:59
